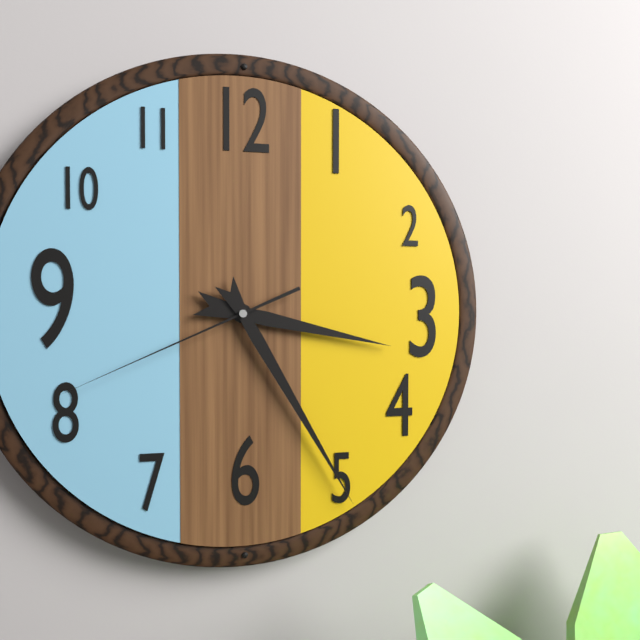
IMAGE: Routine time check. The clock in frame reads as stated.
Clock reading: 3:25:41
